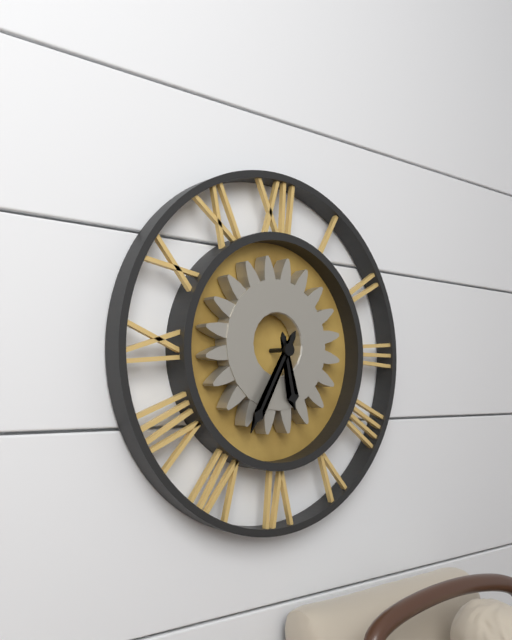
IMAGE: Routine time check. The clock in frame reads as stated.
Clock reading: 5:35
